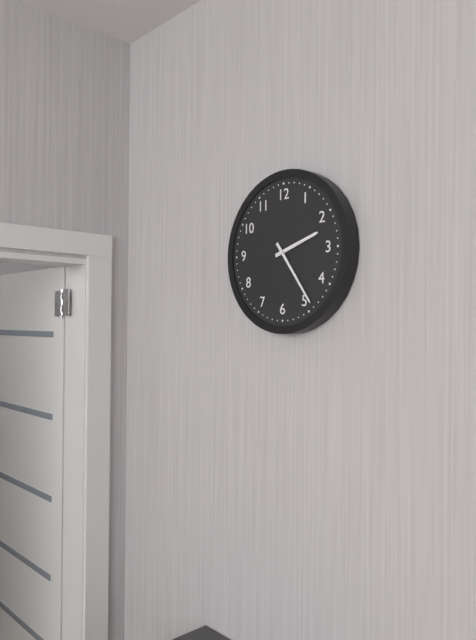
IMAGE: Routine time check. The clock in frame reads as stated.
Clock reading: 2:24
